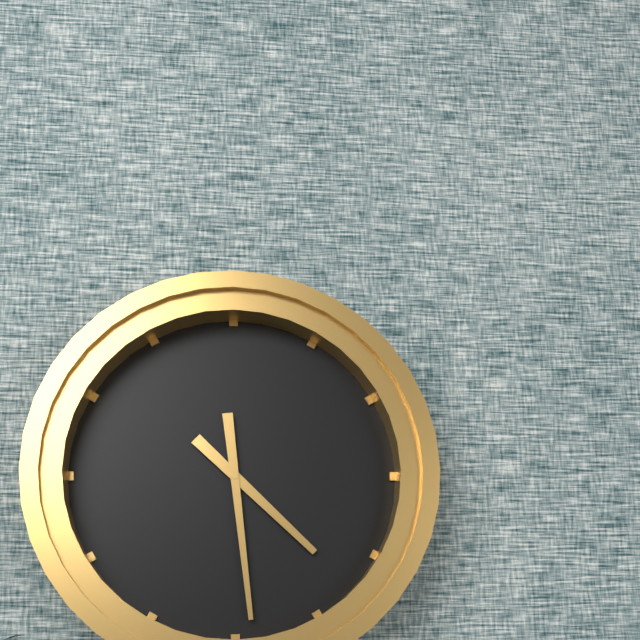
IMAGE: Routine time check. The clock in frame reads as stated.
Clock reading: 4:29
